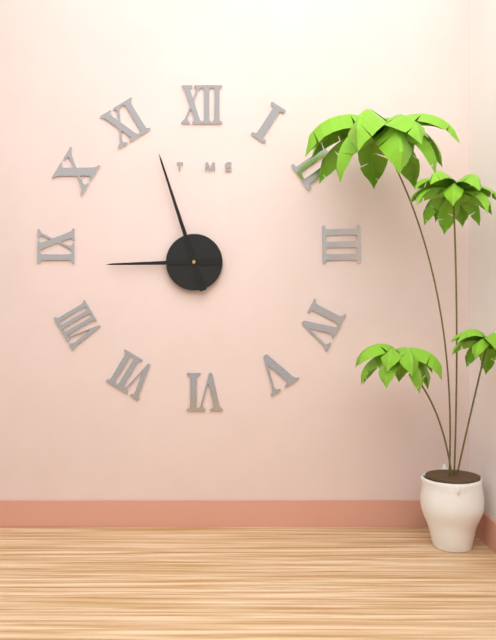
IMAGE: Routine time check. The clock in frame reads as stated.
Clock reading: 8:57
